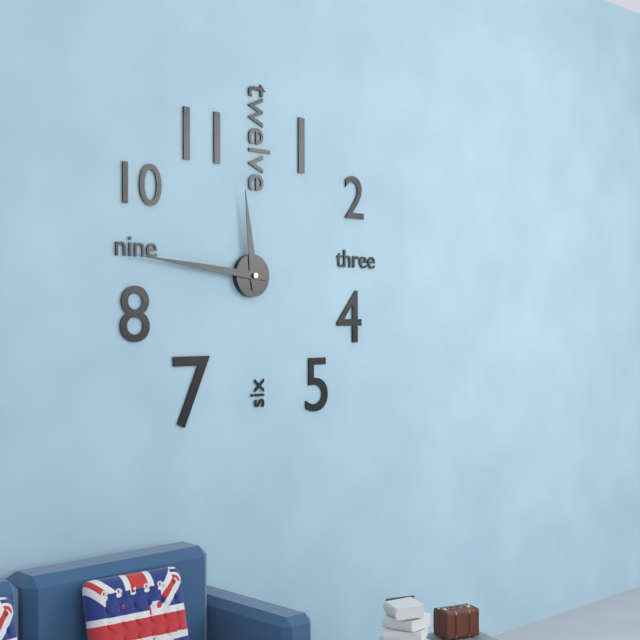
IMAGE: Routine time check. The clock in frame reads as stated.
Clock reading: 11:46
